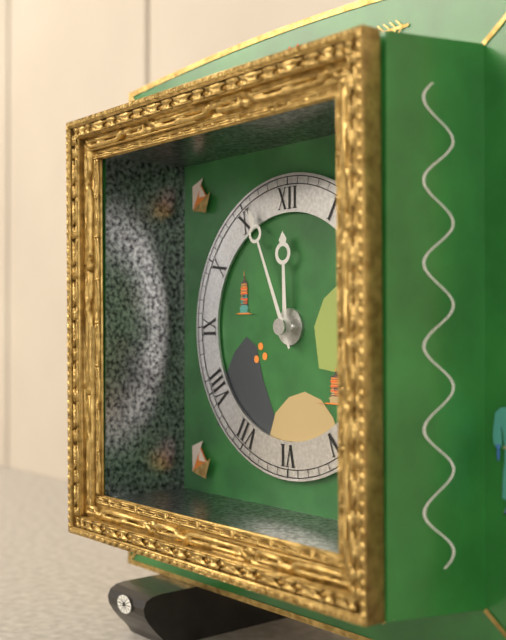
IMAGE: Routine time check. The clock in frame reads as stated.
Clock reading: 11:56
